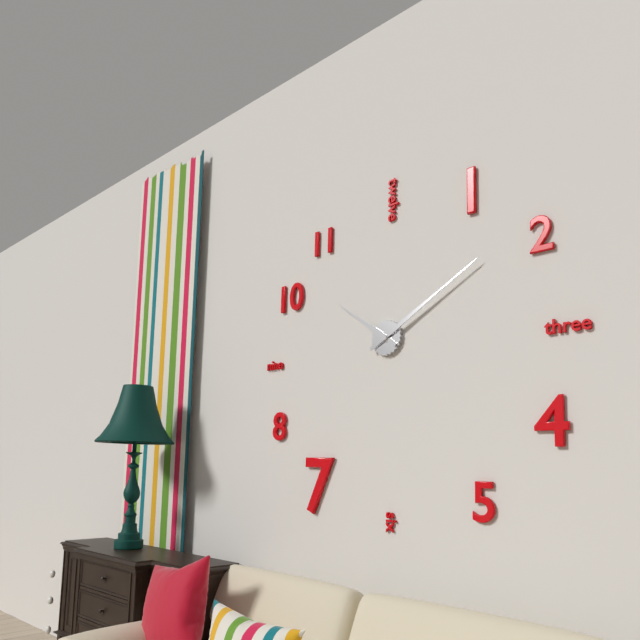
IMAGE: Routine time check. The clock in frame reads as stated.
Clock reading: 10:10
